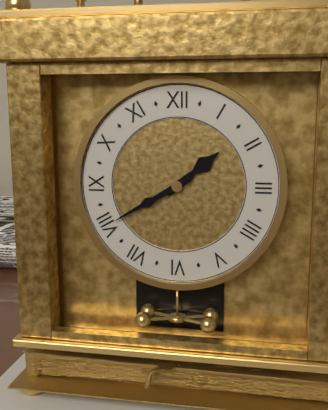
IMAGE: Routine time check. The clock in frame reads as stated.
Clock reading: 1:40
